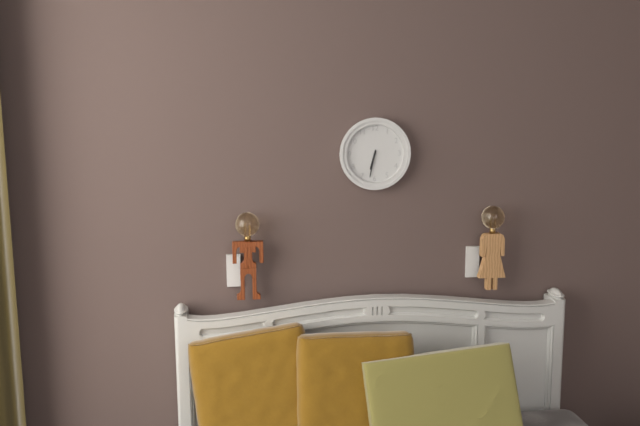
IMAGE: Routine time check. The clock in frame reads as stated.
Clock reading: 6:32
